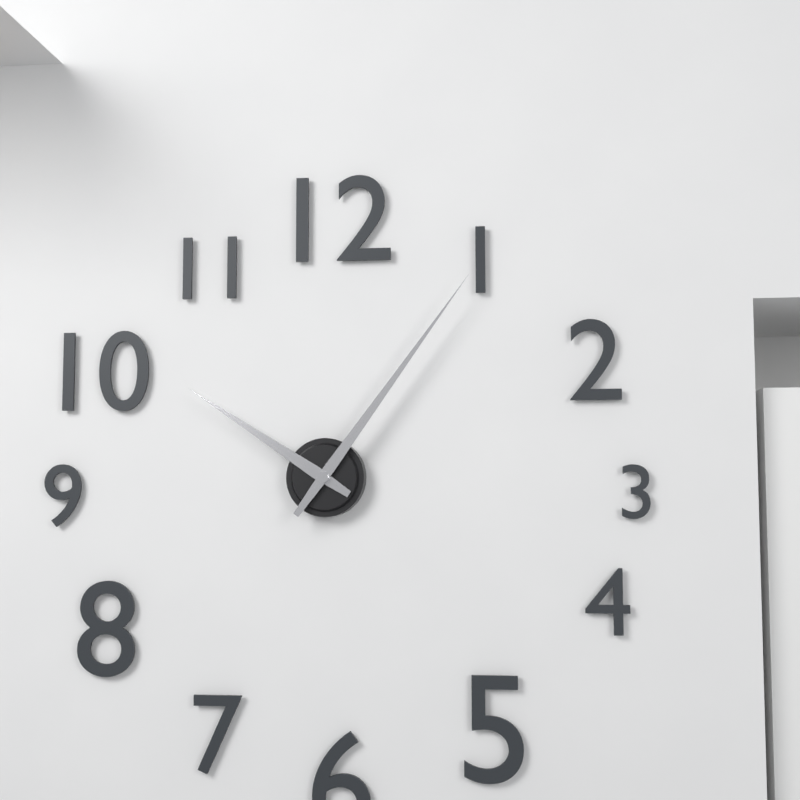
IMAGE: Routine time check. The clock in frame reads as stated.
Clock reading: 10:06
